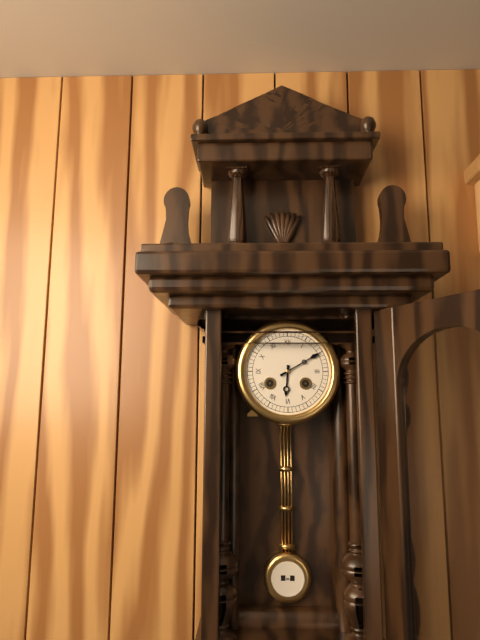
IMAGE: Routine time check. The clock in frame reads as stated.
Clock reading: 6:10
